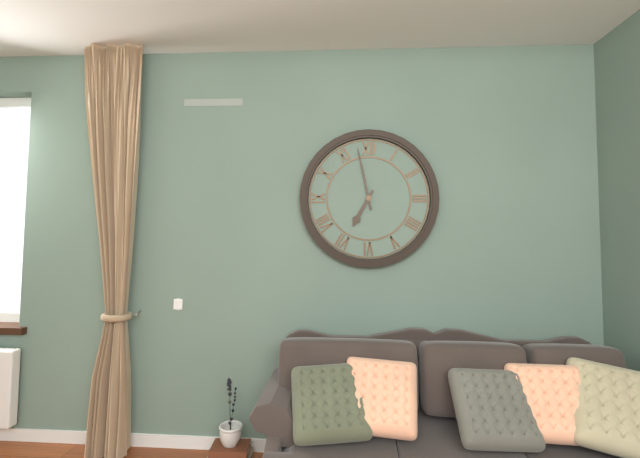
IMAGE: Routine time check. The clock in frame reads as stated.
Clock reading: 6:58
